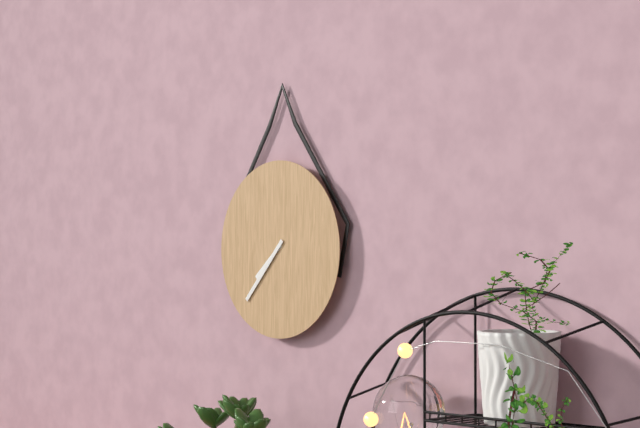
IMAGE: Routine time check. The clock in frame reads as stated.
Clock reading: 7:37
